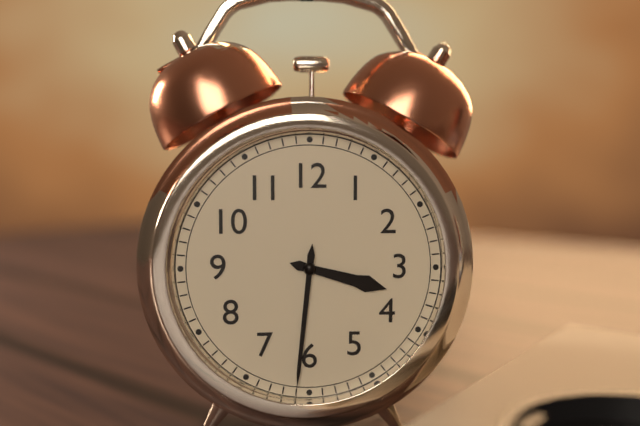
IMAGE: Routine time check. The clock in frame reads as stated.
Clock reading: 3:31
